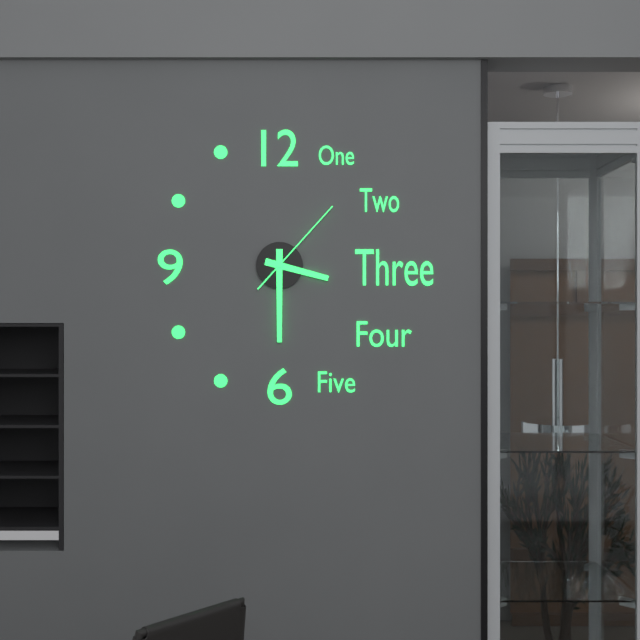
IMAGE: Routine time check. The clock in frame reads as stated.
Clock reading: 3:30:07
